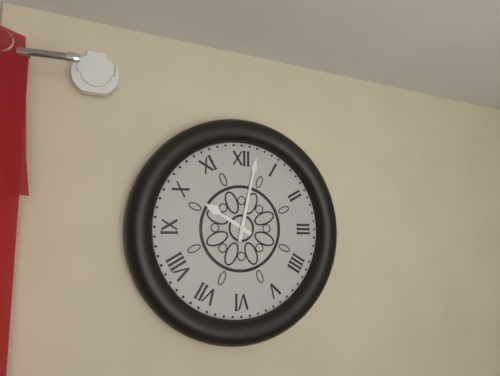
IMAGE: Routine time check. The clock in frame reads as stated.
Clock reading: 10:02
